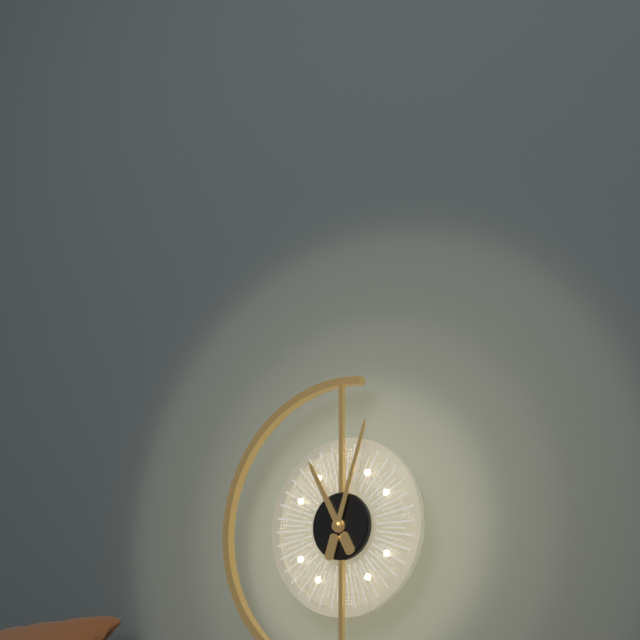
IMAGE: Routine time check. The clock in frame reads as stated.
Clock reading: 11:03
